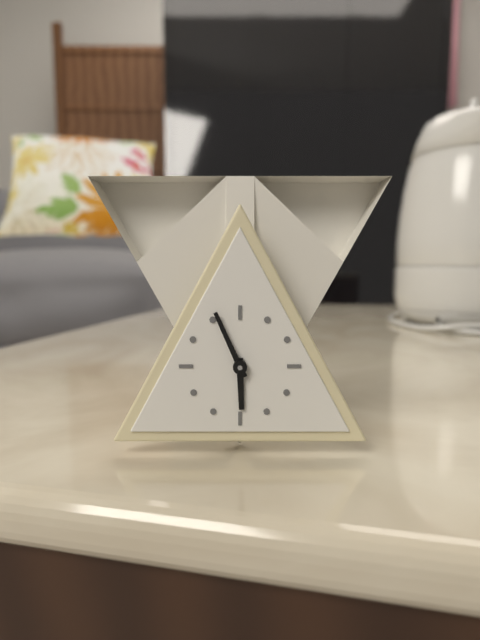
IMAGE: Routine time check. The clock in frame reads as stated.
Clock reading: 5:56
